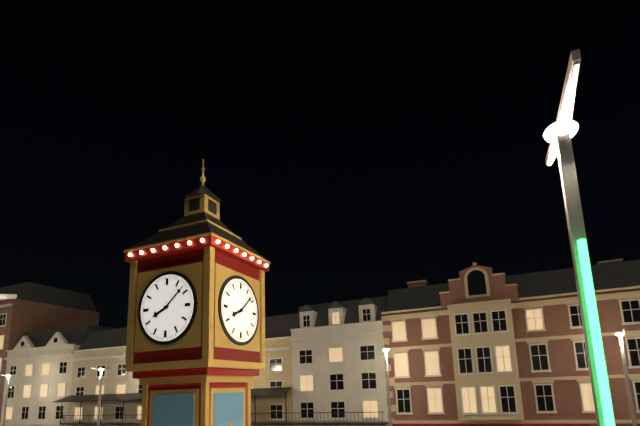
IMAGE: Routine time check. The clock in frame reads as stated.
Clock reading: 8:08
